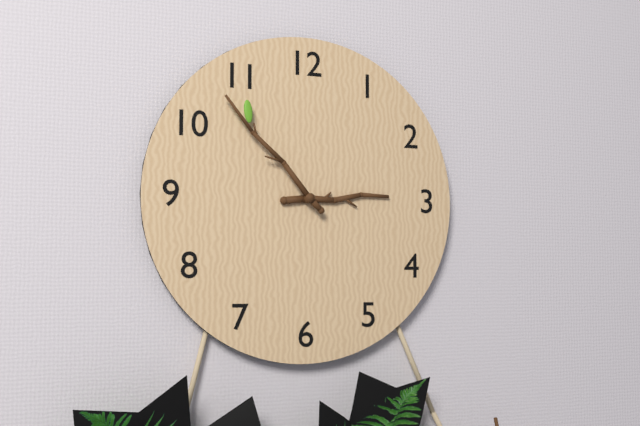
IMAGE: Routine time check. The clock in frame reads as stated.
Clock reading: 2:53
